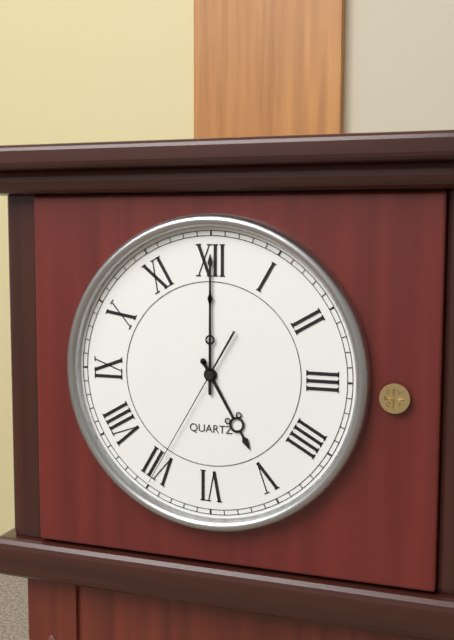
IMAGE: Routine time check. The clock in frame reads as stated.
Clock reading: 5:00:35
